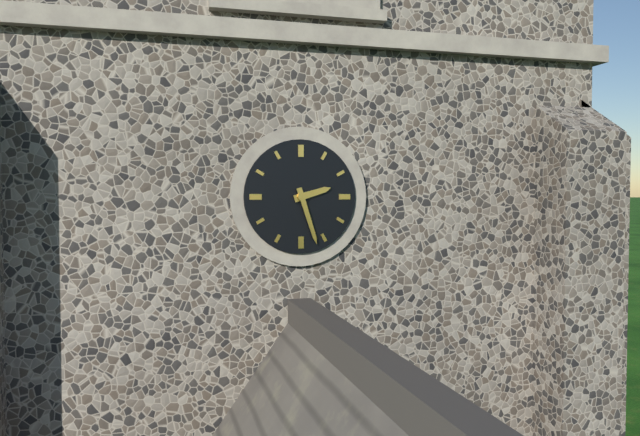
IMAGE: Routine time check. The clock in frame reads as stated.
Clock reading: 2:27
